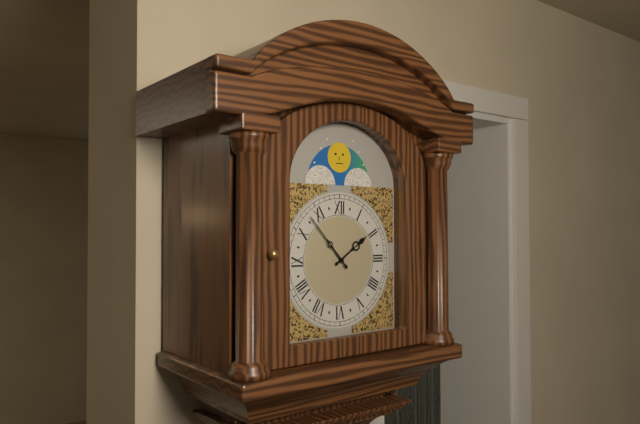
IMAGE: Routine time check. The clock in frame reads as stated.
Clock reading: 1:53
